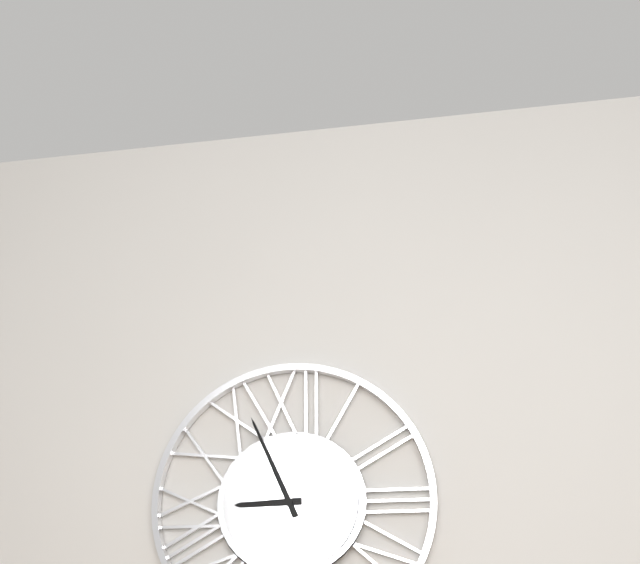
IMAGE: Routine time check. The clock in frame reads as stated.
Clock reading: 8:56
